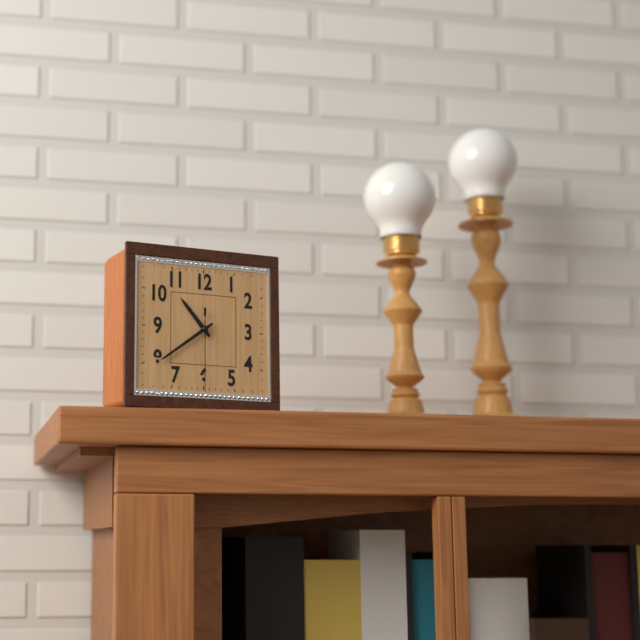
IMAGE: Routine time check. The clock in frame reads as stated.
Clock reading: 10:39:30
